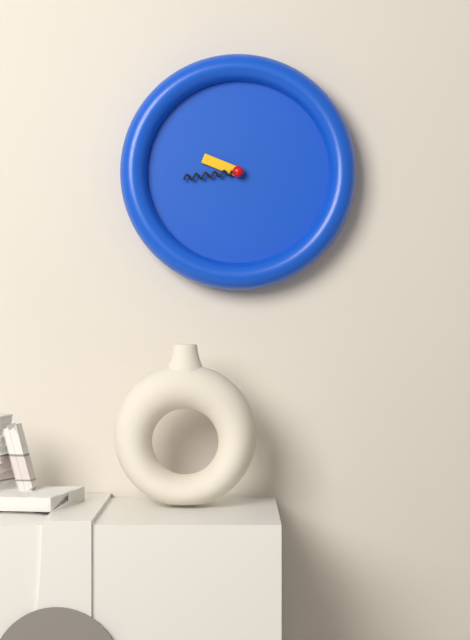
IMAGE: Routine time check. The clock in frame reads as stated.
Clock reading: 9:44
